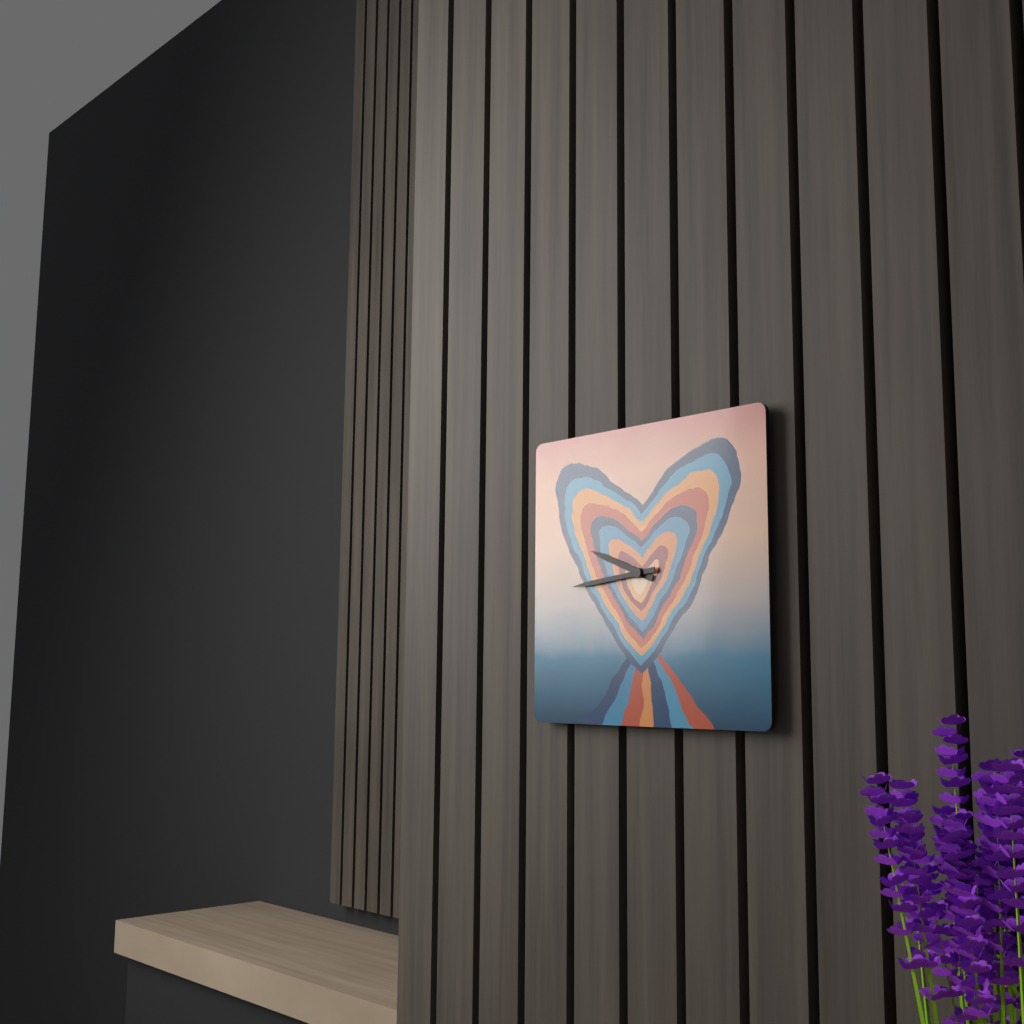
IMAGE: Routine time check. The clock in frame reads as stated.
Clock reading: 9:44
